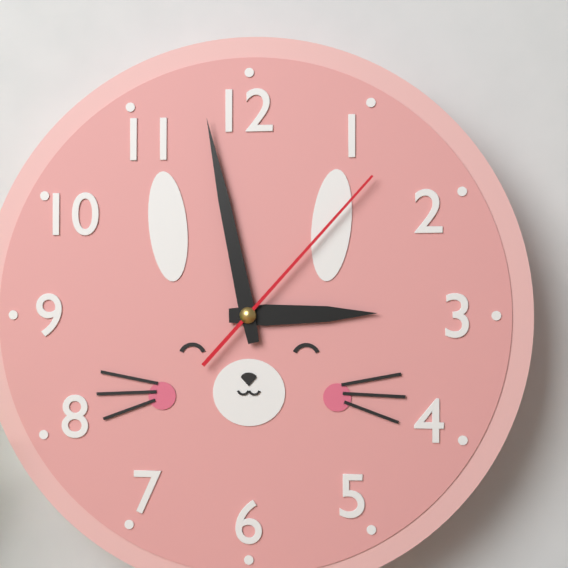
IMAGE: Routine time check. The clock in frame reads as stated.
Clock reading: 2:58:07
